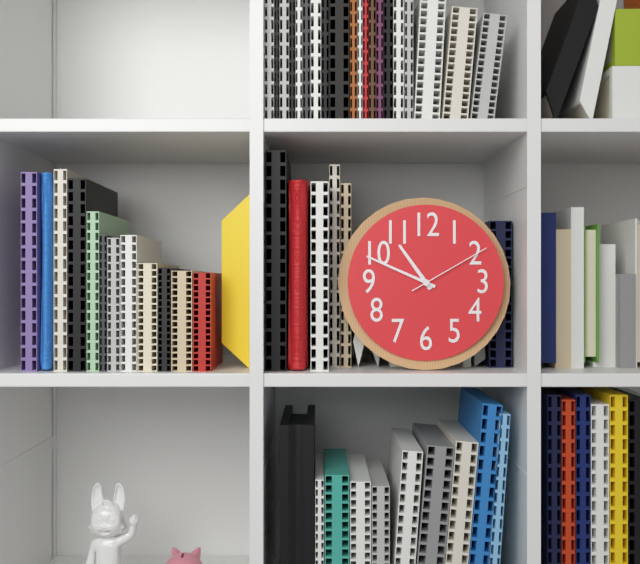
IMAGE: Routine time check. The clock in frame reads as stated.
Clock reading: 10:49:10
